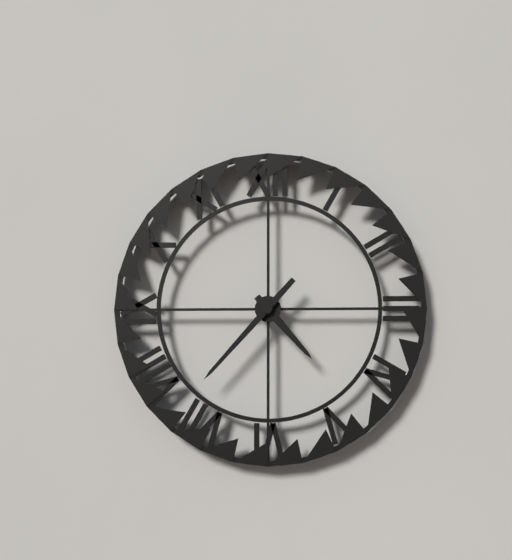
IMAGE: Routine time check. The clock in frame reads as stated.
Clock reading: 4:37
